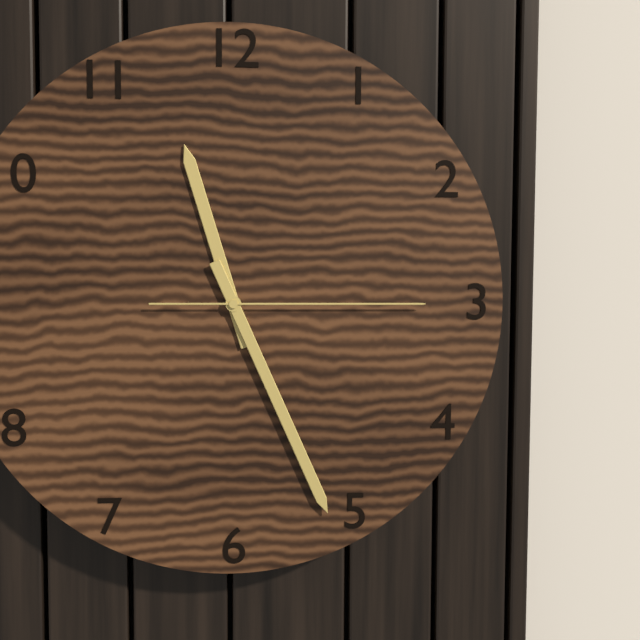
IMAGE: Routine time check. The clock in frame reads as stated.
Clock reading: 11:26:15
